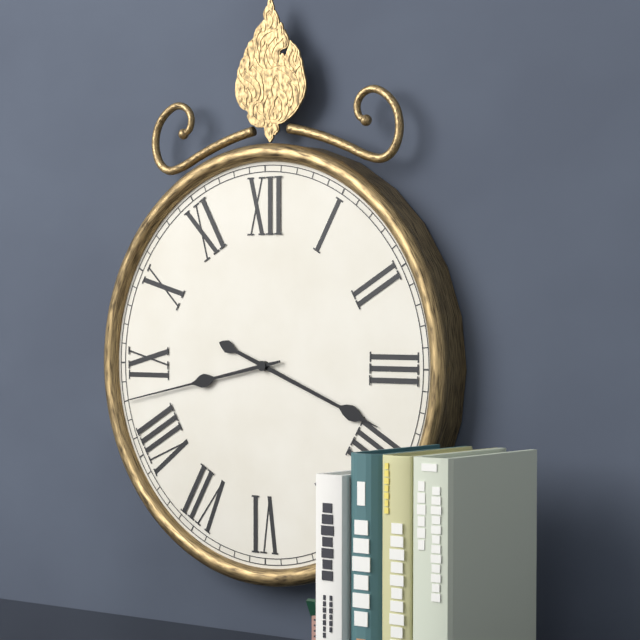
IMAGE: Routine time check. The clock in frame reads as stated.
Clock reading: 3:43
